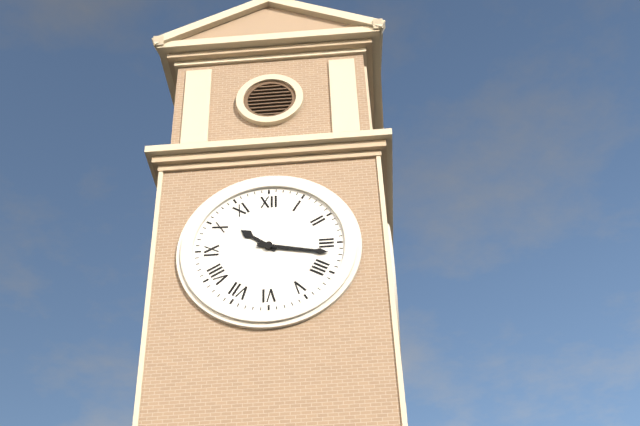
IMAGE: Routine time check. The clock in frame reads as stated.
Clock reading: 10:17
